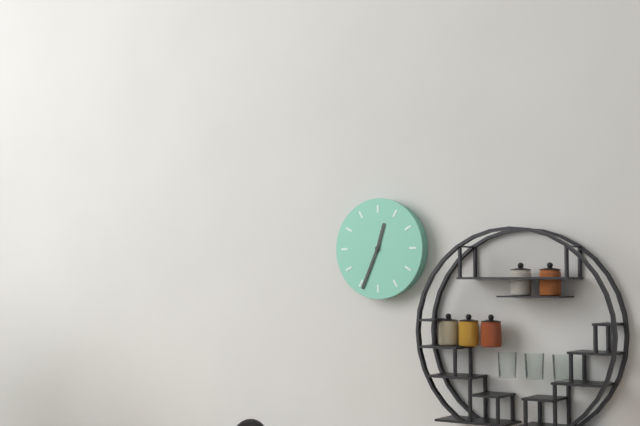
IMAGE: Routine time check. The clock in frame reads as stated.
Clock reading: 12:34
